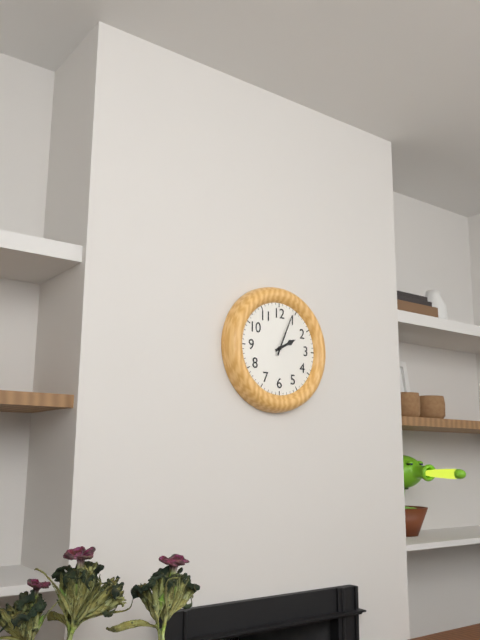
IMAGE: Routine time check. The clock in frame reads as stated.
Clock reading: 2:04
